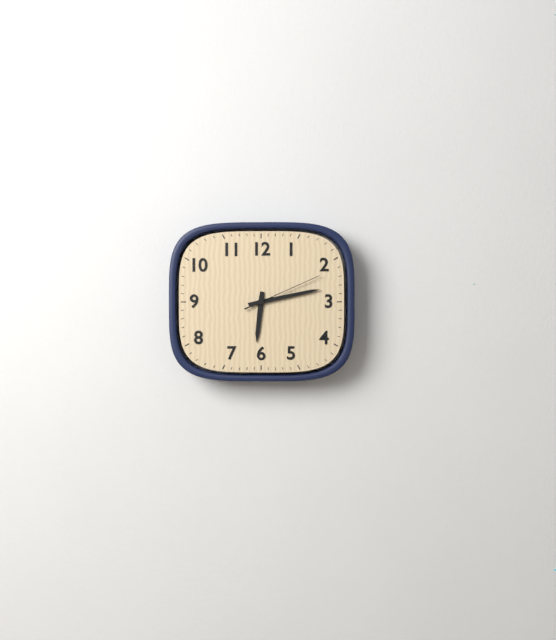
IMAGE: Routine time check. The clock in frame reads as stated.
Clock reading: 6:13:11
